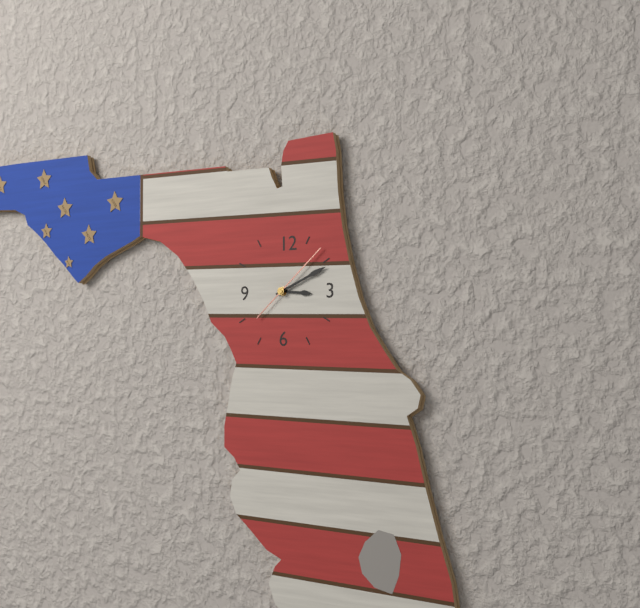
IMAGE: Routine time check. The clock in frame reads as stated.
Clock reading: 3:11:08
